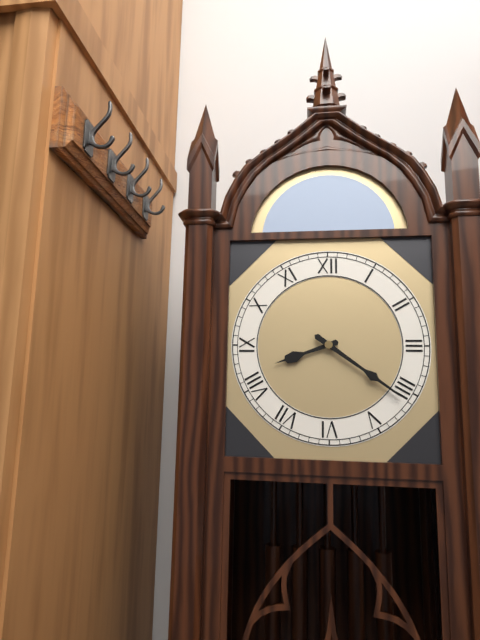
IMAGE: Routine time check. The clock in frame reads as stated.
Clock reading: 8:21
